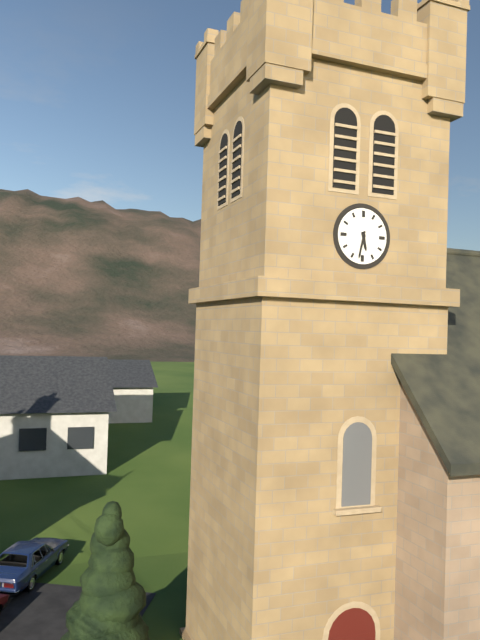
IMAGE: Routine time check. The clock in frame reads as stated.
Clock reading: 5:32
